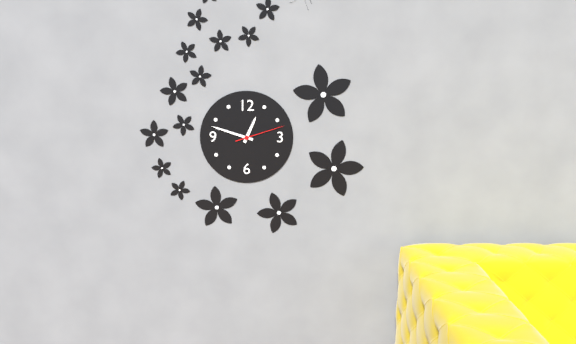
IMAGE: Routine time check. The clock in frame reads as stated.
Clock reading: 12:48:12
